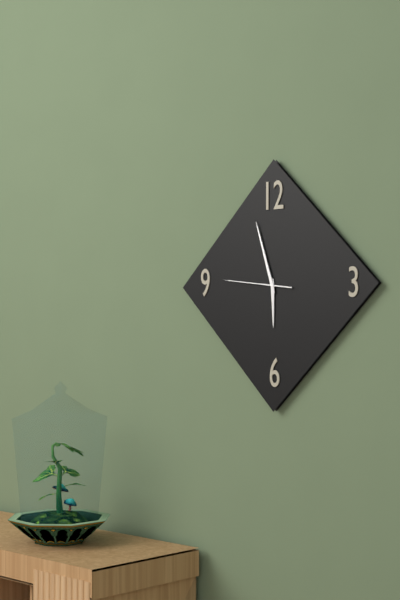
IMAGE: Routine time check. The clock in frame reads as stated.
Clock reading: 5:57:46
